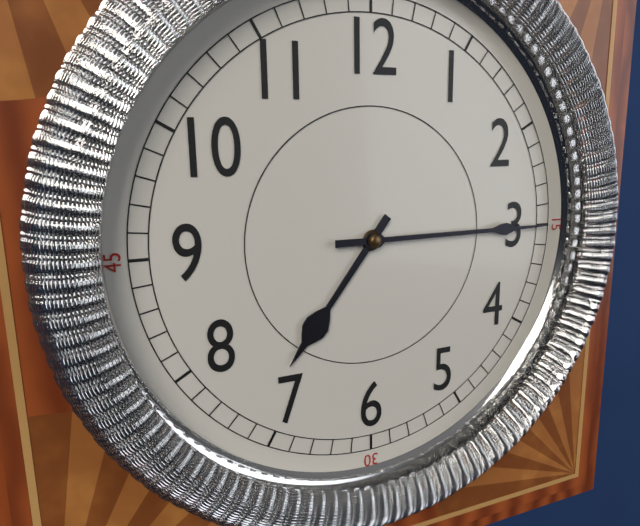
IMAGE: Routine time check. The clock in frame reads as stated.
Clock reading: 7:15
